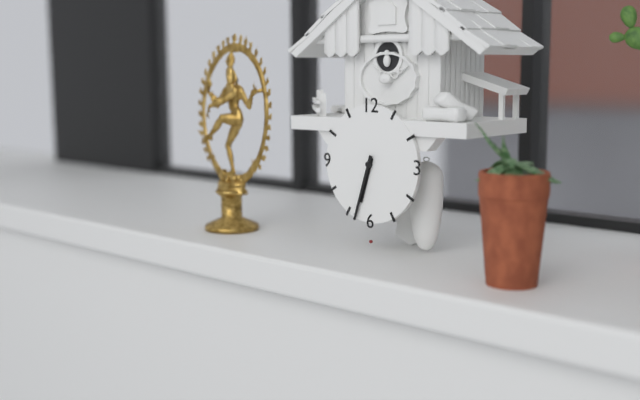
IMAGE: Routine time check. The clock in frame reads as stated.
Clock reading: 6:33
